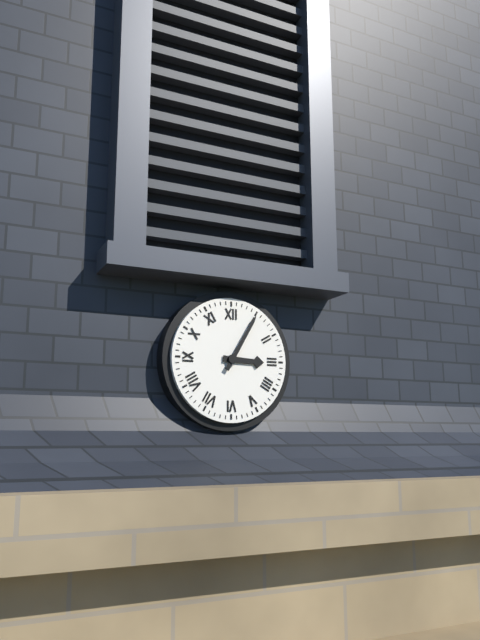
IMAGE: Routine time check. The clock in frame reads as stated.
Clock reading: 3:05
